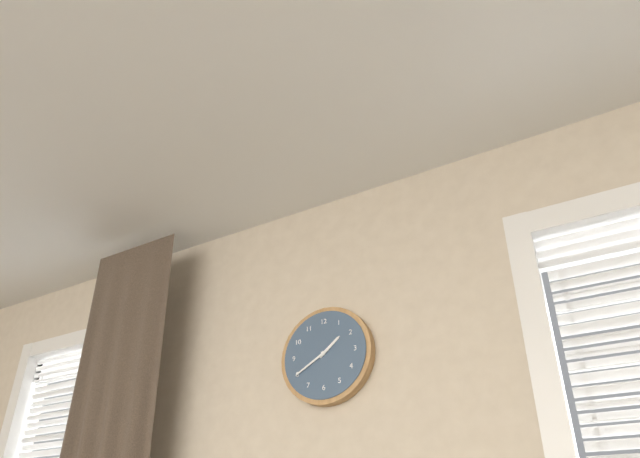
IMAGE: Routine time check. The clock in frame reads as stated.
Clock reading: 1:40
